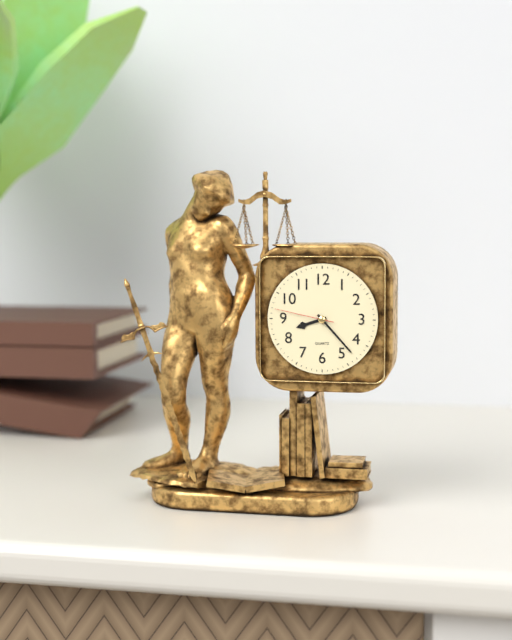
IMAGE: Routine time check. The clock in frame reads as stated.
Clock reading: 8:23:47
